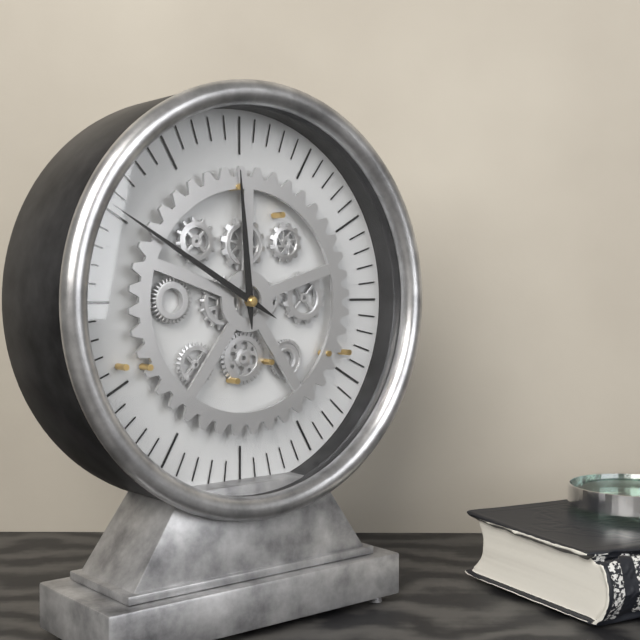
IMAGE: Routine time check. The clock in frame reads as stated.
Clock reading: 11:50
